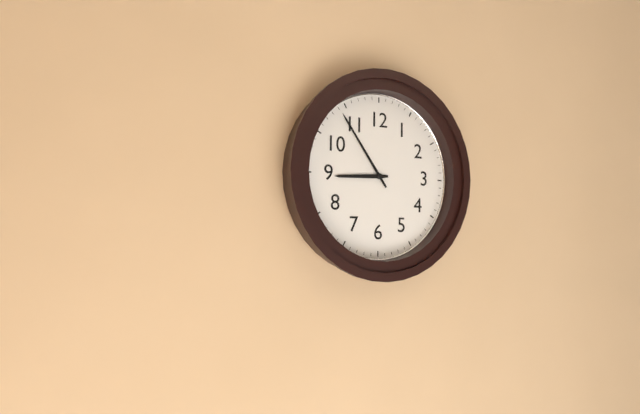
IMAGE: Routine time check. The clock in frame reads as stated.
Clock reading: 8:54
